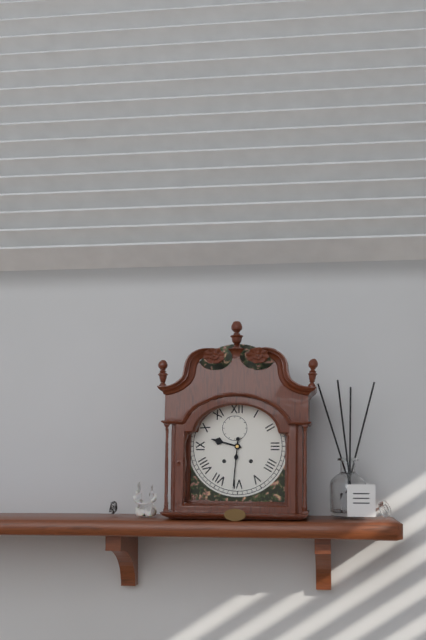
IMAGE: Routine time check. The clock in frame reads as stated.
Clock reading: 9:31
